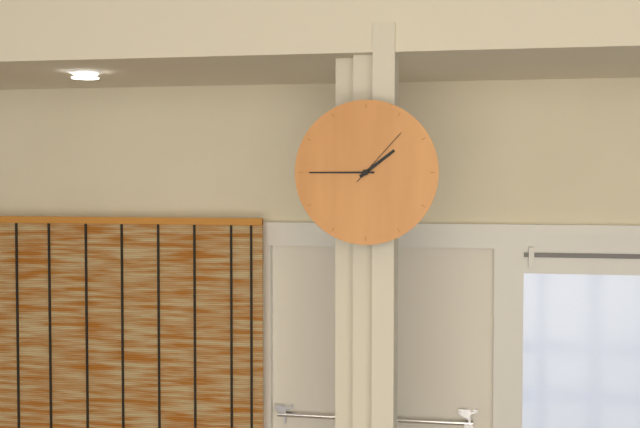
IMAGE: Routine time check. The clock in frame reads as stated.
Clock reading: 1:45:07
